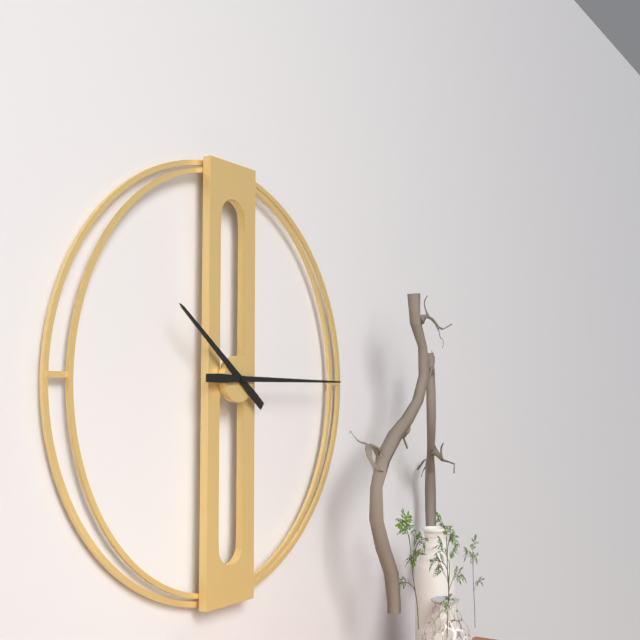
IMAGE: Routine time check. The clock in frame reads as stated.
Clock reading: 10:15
